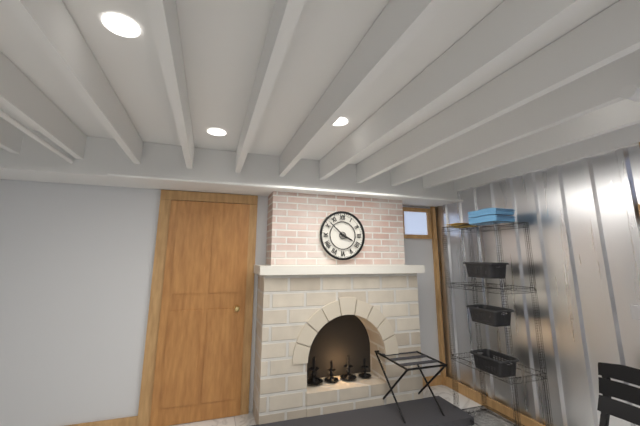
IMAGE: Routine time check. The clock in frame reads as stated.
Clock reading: 3:52
